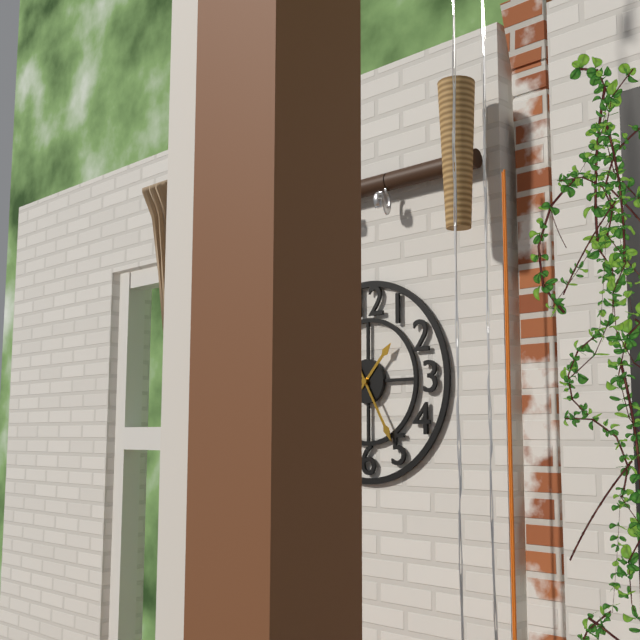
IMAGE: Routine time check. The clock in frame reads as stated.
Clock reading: 1:25
